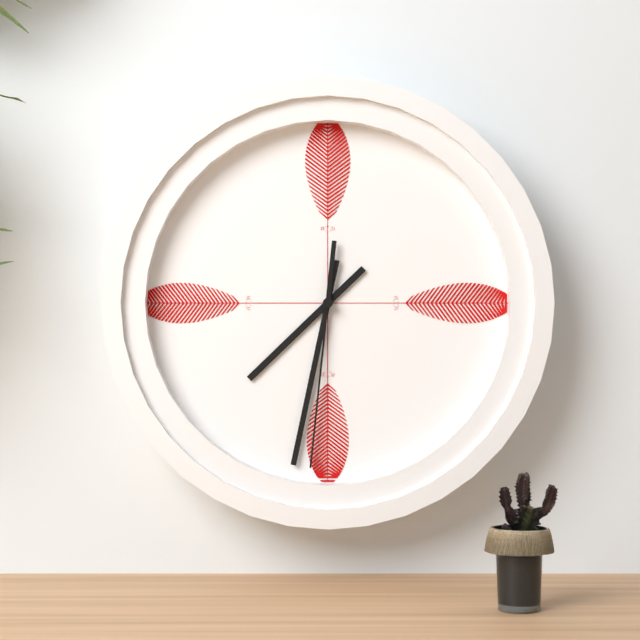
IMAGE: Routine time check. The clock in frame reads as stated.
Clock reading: 7:32:31
